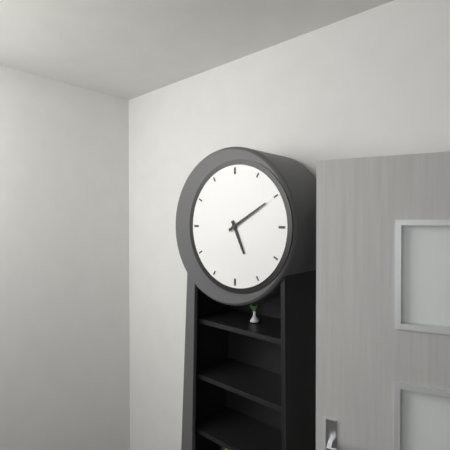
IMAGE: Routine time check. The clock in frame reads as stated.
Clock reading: 5:10
